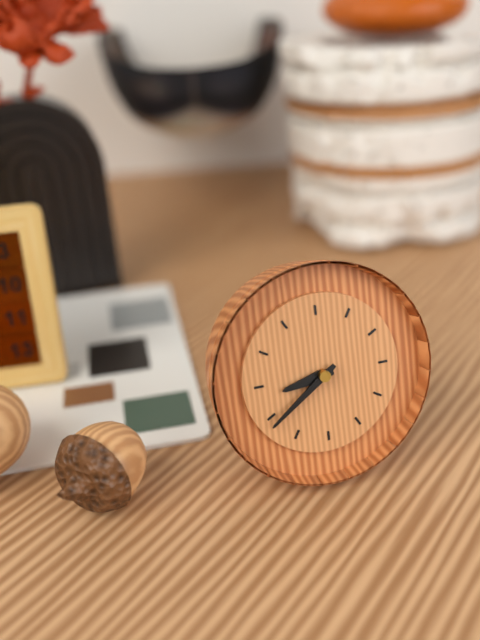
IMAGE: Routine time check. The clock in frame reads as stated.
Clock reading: 8:39
